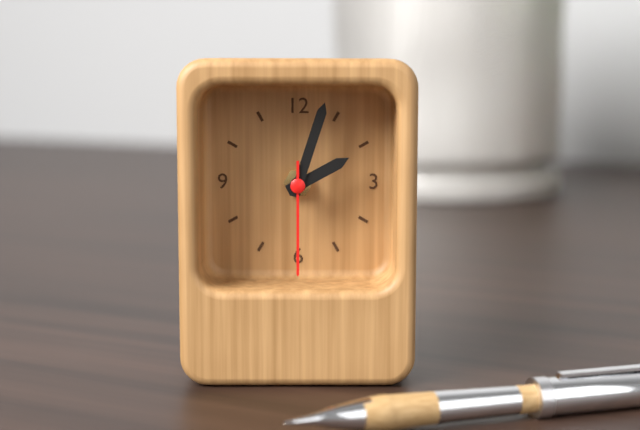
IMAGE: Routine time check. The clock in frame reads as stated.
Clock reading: 2:03:30
